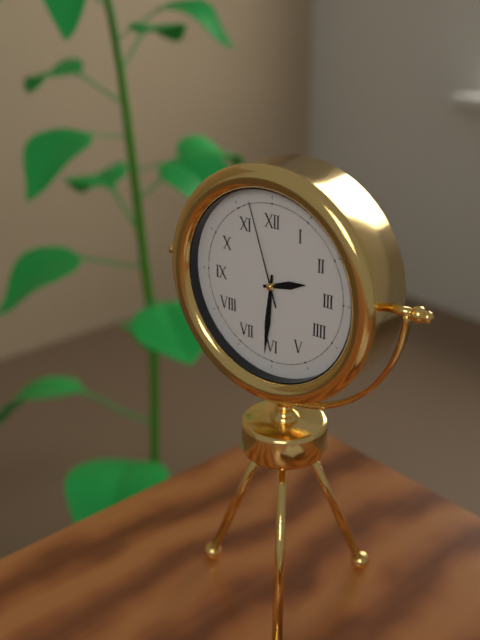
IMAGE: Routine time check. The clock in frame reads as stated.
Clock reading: 2:31:57
